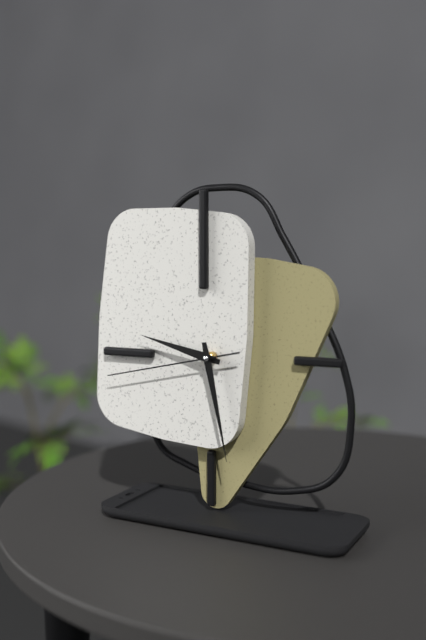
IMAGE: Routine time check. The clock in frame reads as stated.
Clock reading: 9:28:43
